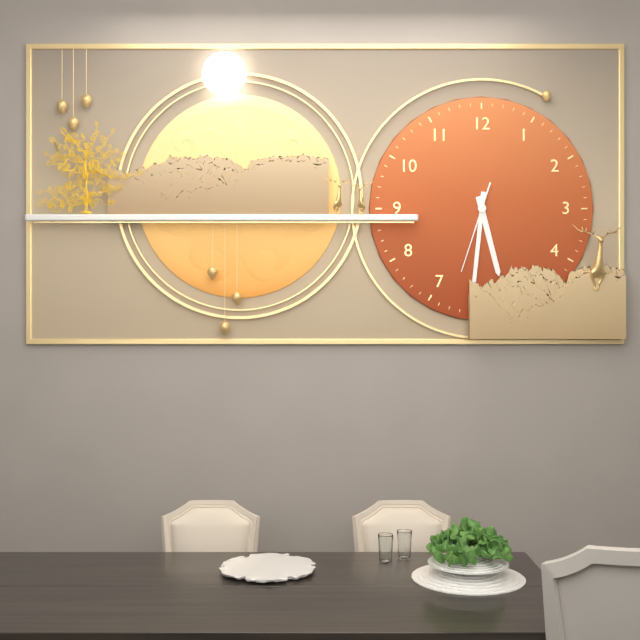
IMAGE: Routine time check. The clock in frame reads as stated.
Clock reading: 5:31:33
